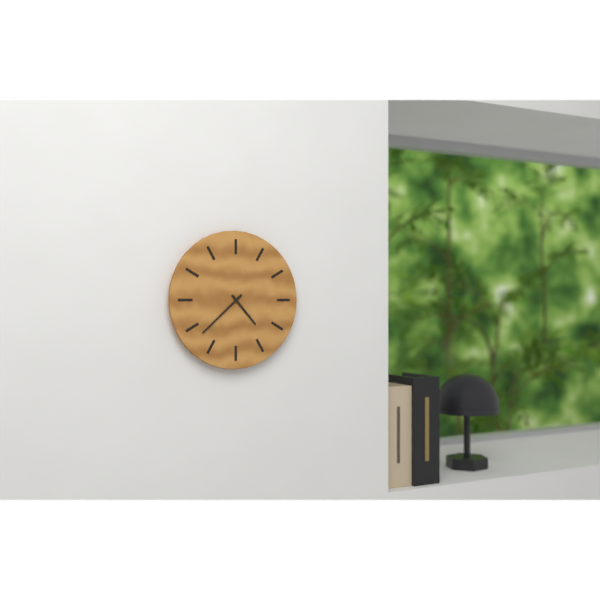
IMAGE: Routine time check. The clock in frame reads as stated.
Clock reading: 4:38
